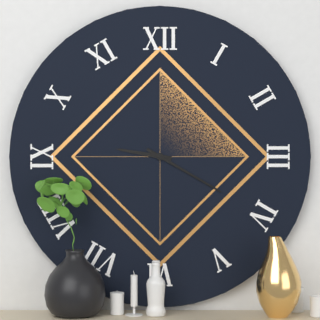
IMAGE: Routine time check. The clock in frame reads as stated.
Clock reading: 9:20
